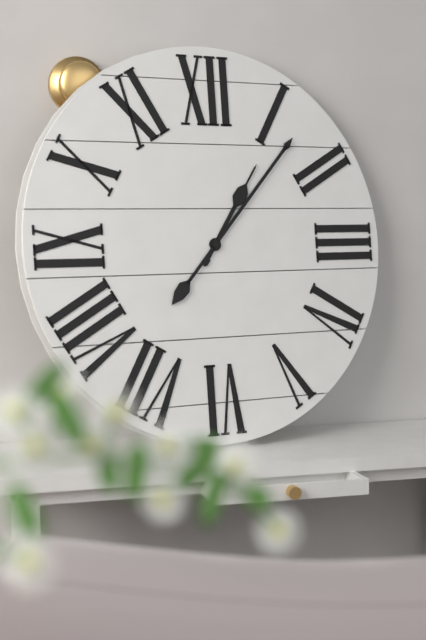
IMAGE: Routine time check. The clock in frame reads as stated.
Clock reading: 1:07
